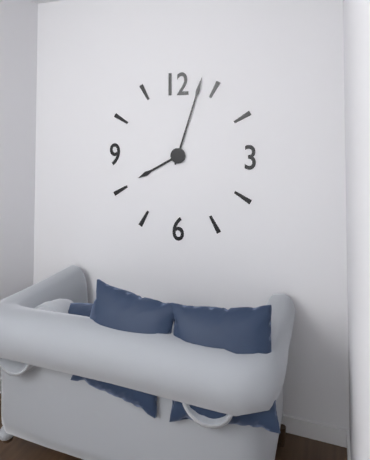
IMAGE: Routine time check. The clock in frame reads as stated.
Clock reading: 8:03
